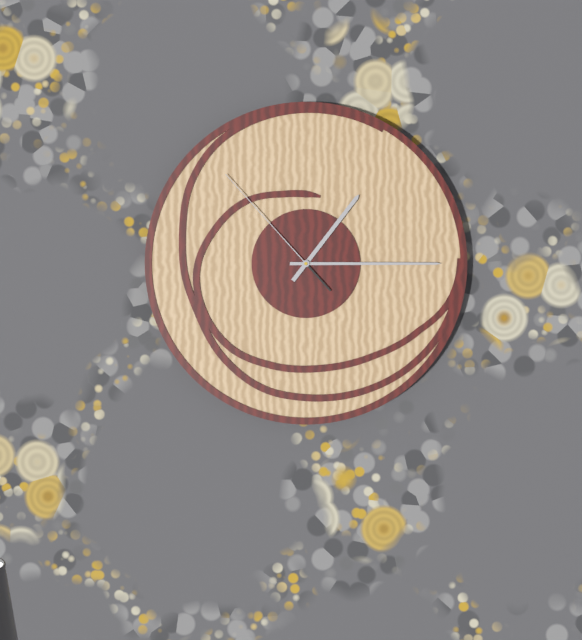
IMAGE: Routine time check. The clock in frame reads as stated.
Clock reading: 1:15:53
